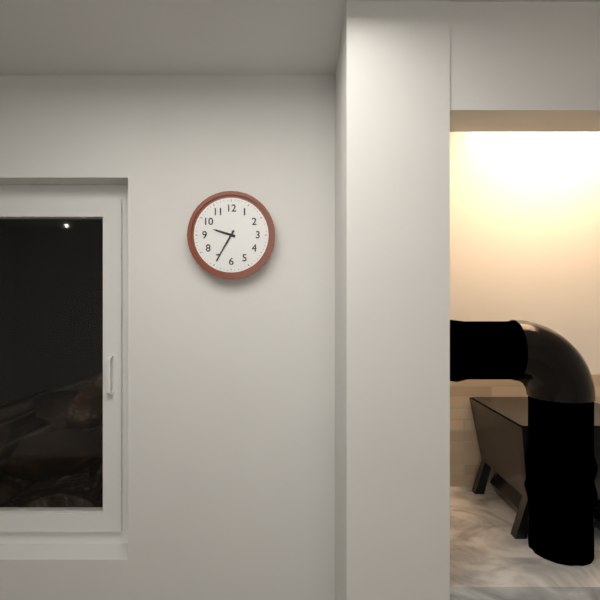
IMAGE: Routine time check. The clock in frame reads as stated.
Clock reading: 9:35
